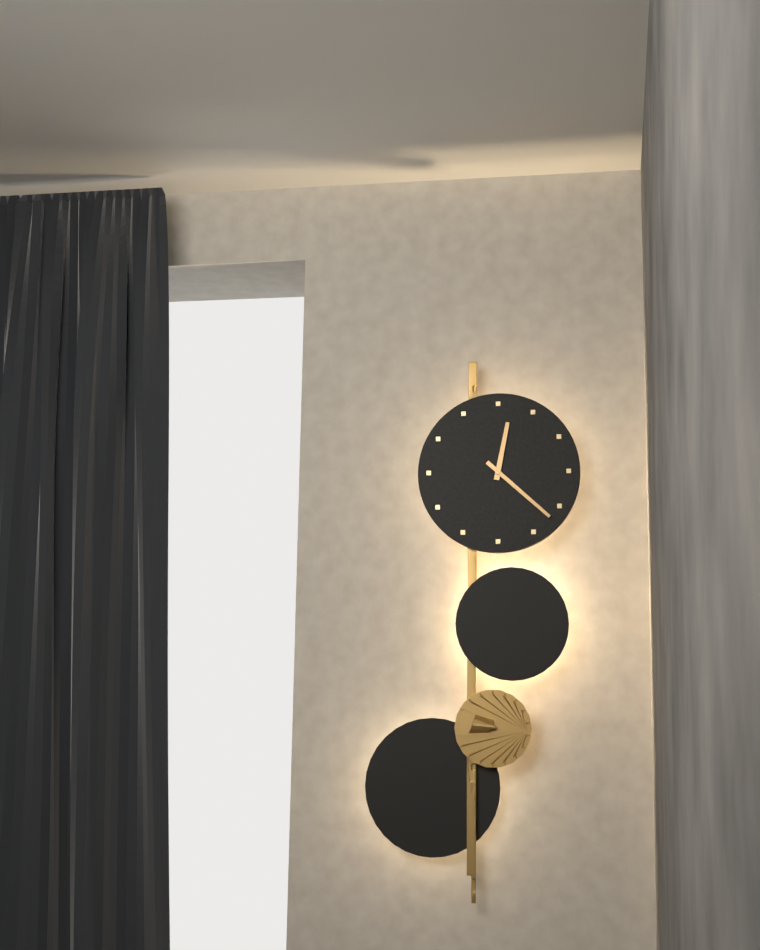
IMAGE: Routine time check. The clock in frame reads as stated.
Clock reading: 12:22
